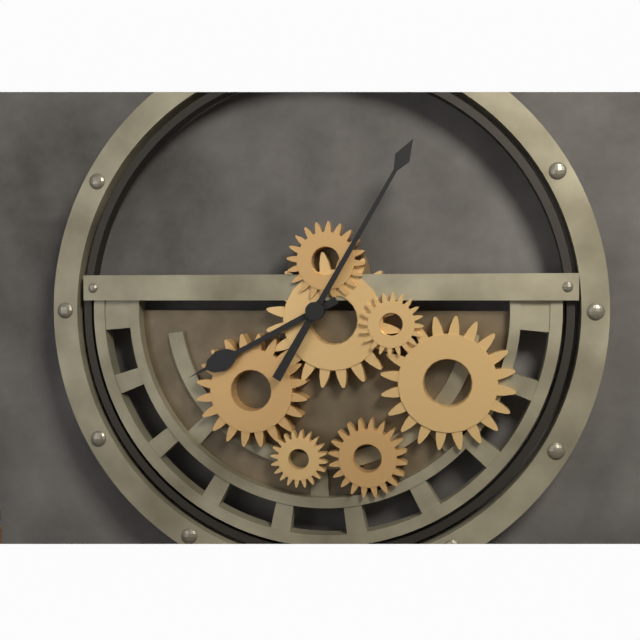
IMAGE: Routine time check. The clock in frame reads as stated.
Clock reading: 8:05
